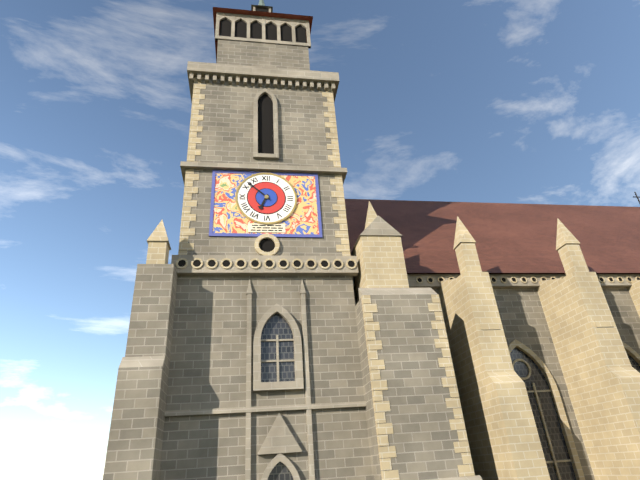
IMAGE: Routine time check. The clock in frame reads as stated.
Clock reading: 6:52
